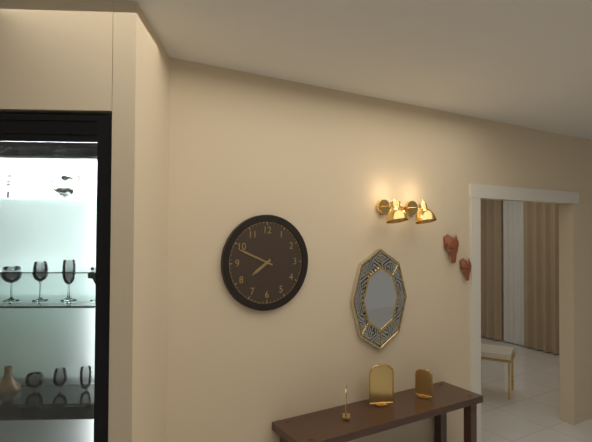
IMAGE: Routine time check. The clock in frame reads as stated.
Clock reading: 7:49
